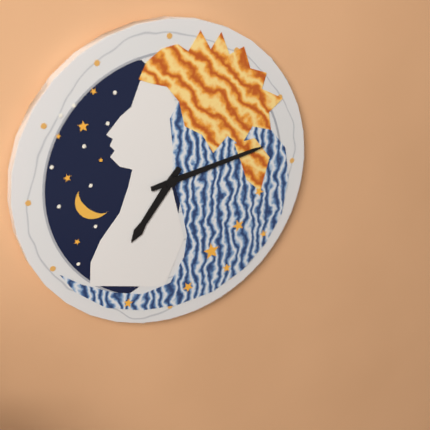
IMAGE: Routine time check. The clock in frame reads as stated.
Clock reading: 7:13
